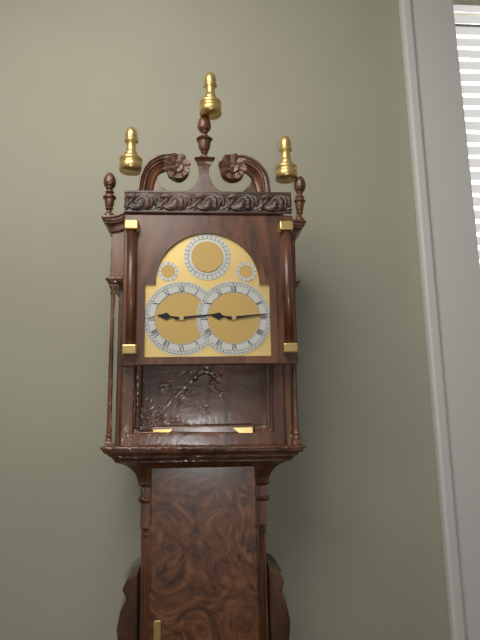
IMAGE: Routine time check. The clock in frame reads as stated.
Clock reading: 9:14
